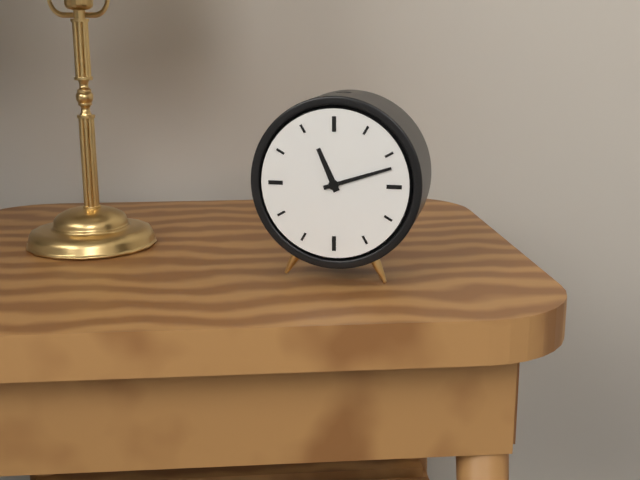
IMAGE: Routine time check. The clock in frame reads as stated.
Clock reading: 11:12
